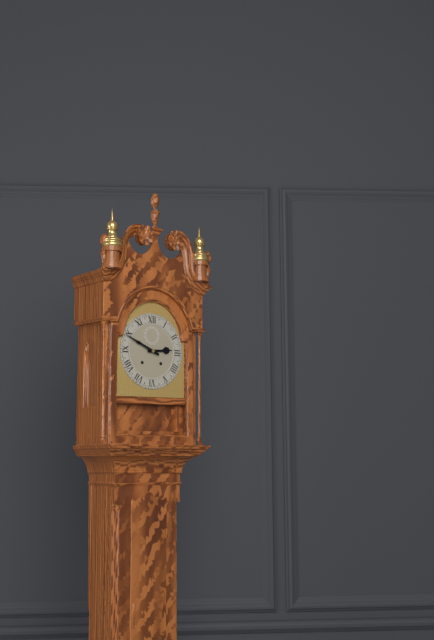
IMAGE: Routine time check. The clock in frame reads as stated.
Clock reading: 2:49
